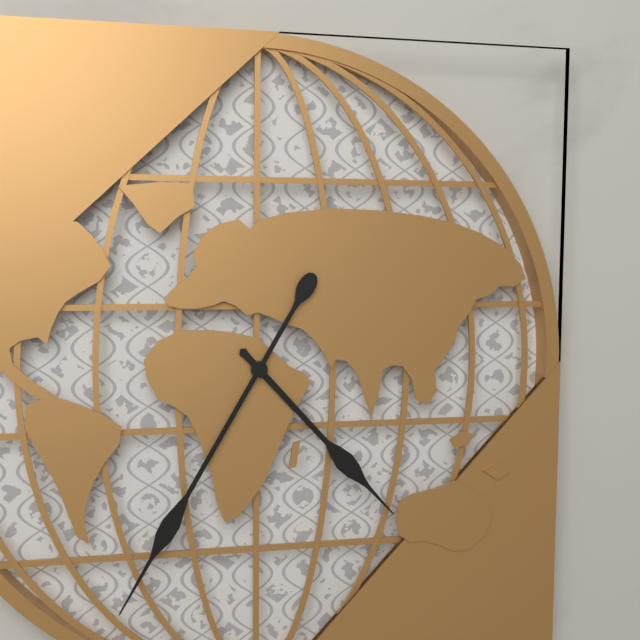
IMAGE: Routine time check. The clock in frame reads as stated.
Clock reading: 4:35
